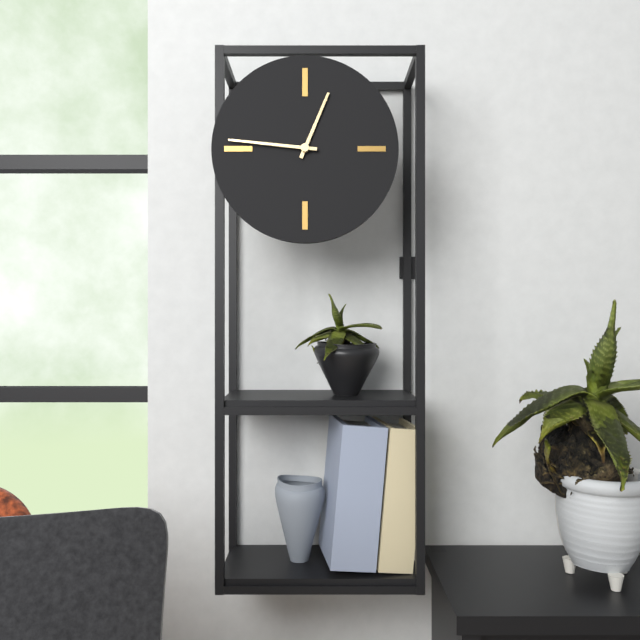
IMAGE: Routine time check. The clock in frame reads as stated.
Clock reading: 12:46
